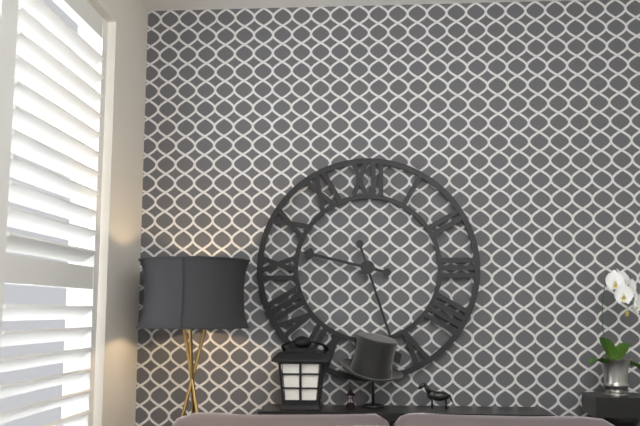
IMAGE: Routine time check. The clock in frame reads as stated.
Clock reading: 9:27
